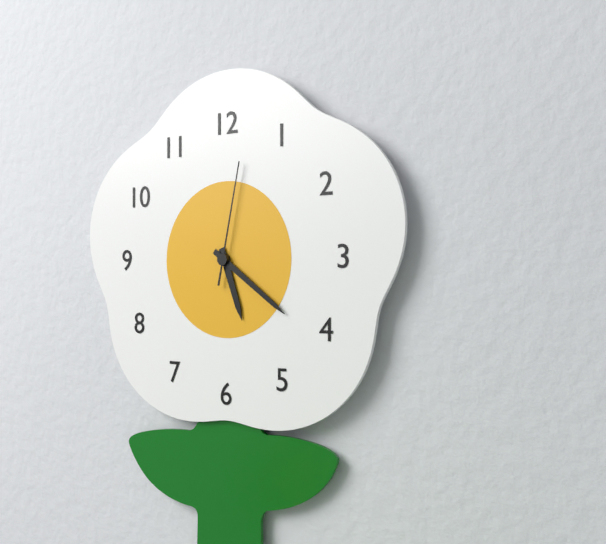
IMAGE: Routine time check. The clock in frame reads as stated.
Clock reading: 5:21:02
